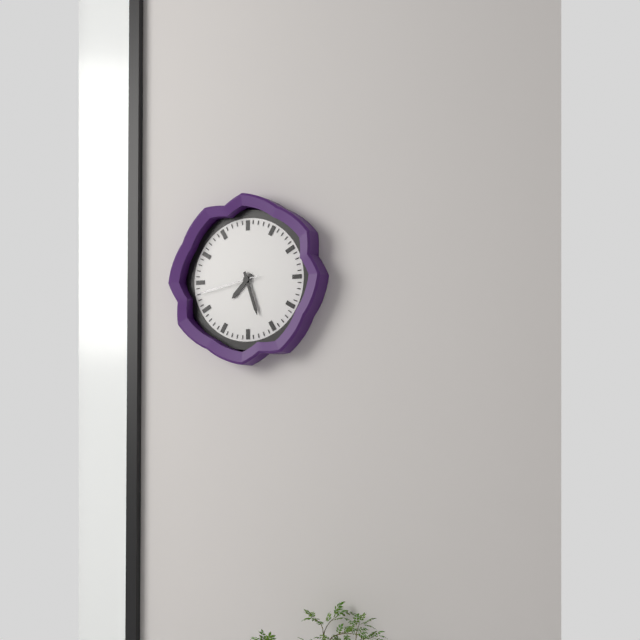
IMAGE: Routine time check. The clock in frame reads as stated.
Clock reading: 7:27:43
